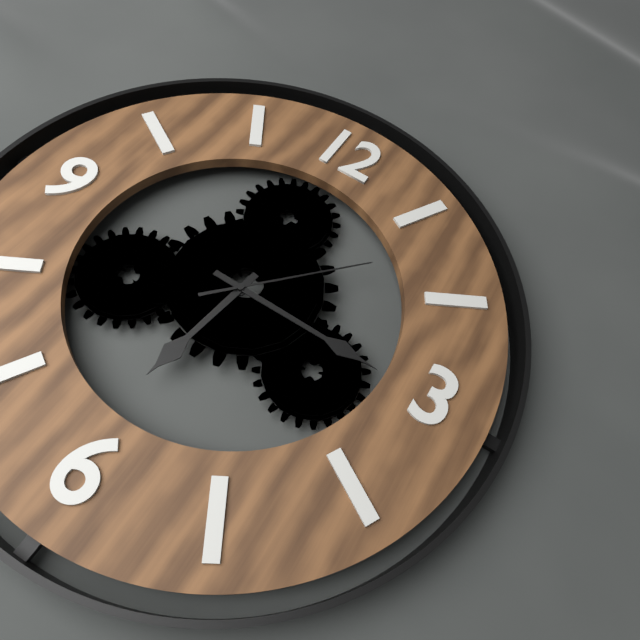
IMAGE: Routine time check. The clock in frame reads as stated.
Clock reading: 6:15:07
